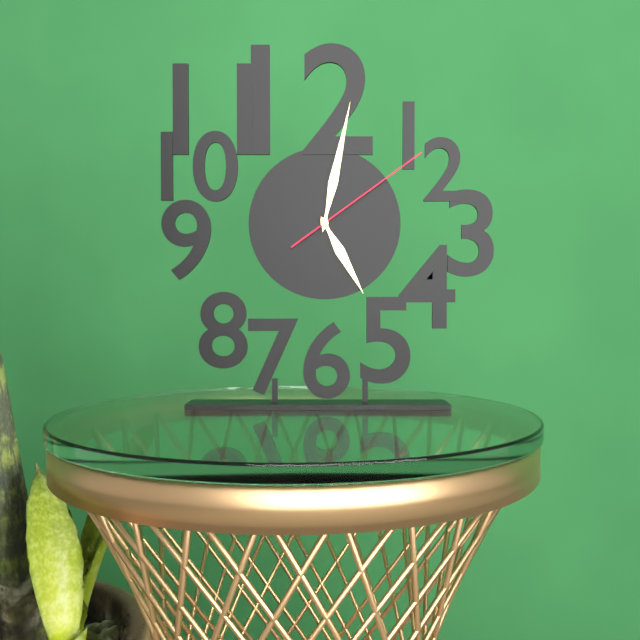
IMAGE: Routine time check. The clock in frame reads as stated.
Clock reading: 5:02:09
